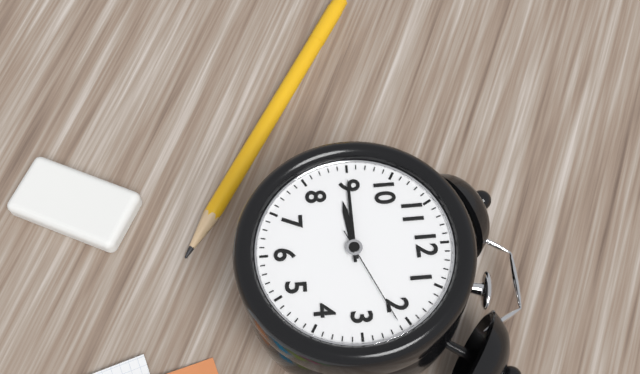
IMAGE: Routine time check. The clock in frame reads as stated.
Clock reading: 8:45:11
